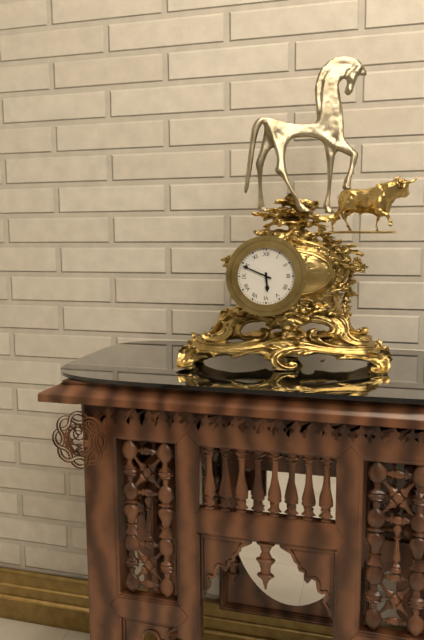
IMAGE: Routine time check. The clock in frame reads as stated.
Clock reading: 5:49
